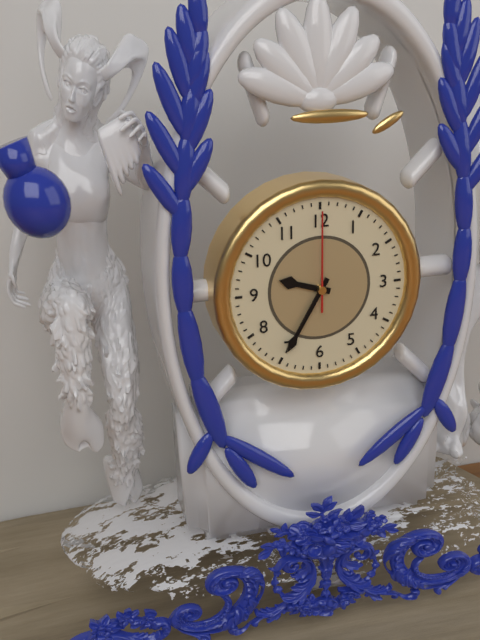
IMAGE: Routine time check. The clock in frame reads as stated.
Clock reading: 9:35:00
